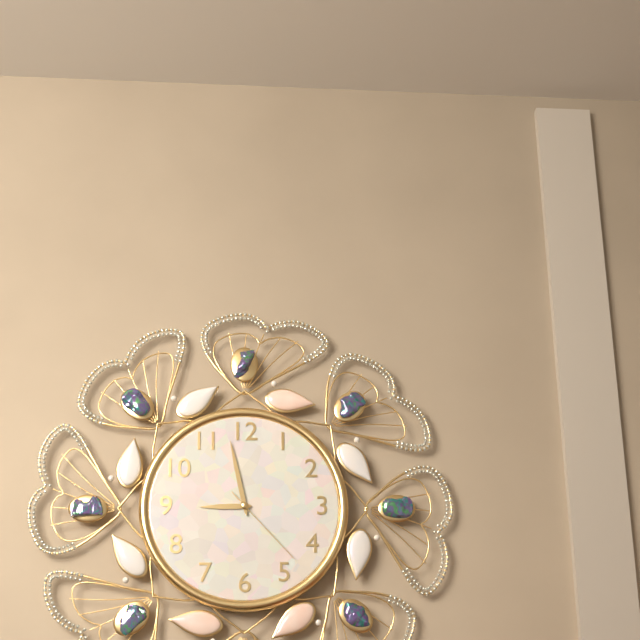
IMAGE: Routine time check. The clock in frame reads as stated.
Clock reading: 8:58:23
